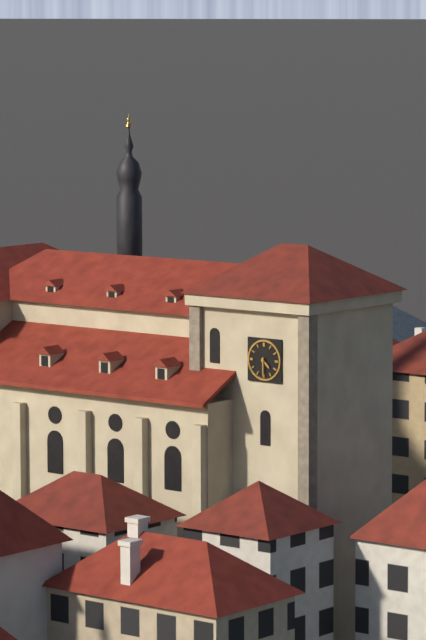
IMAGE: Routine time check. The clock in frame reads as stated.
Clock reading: 4:30
